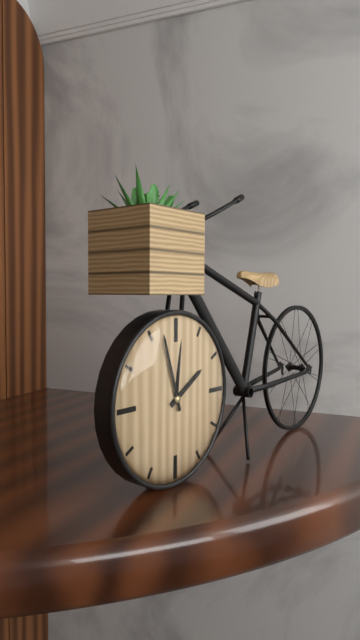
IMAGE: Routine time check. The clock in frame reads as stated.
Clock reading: 1:57
